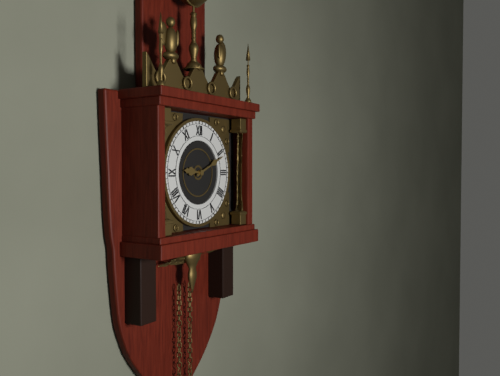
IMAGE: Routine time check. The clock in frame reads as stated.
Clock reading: 9:11
